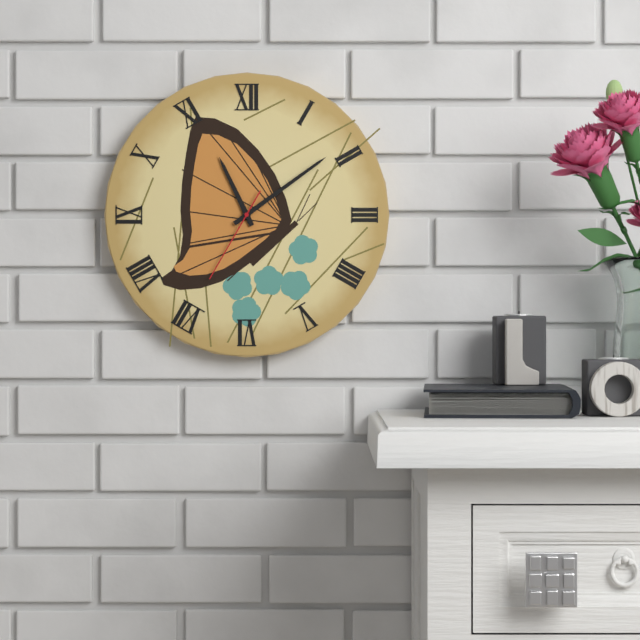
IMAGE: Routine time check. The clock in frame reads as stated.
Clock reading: 11:09:35
